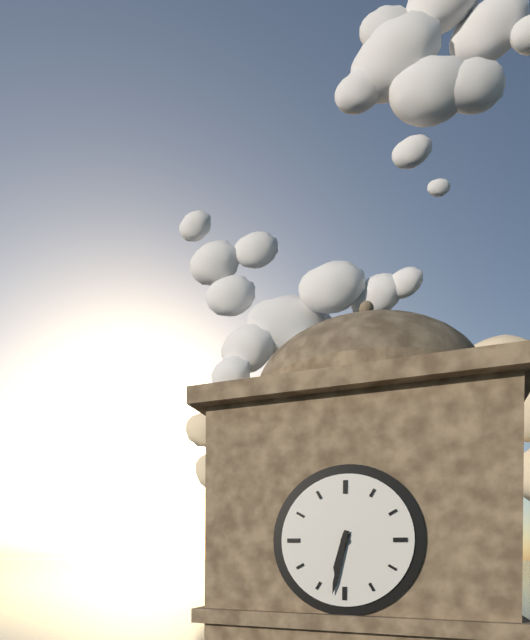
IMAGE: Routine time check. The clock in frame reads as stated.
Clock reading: 6:32
